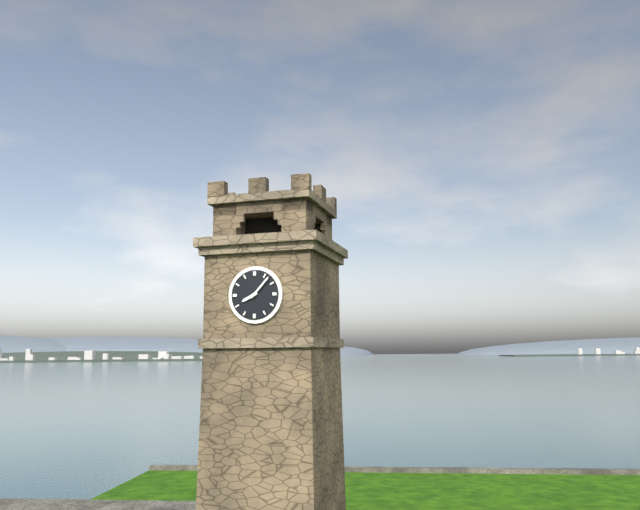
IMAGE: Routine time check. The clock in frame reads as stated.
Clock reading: 8:07
